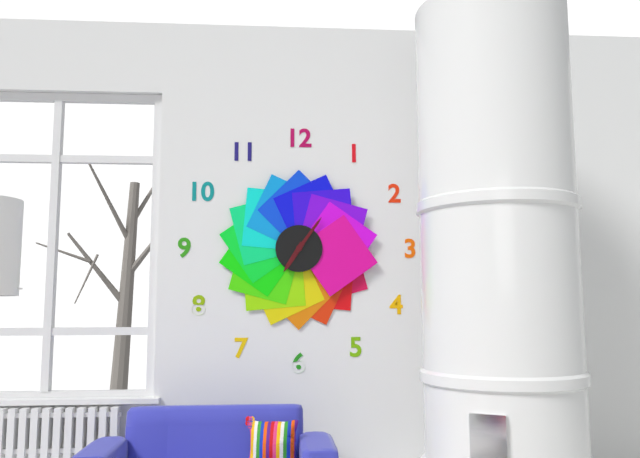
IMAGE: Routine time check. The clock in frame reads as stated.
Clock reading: 7:06
